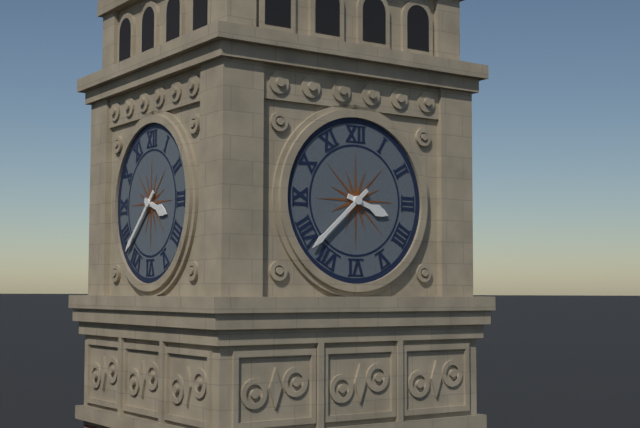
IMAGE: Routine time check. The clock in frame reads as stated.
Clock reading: 3:38
